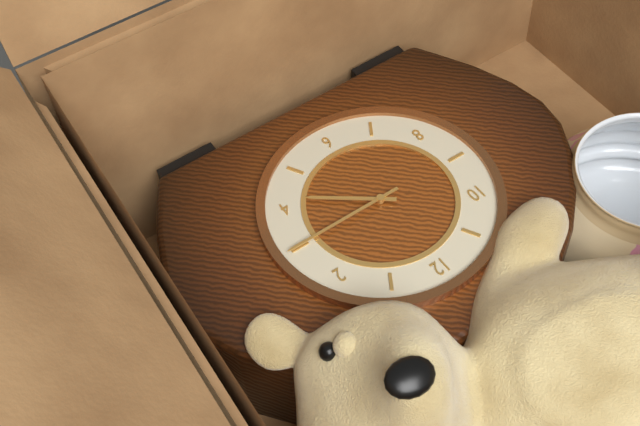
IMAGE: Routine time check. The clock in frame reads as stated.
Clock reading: 4:15
